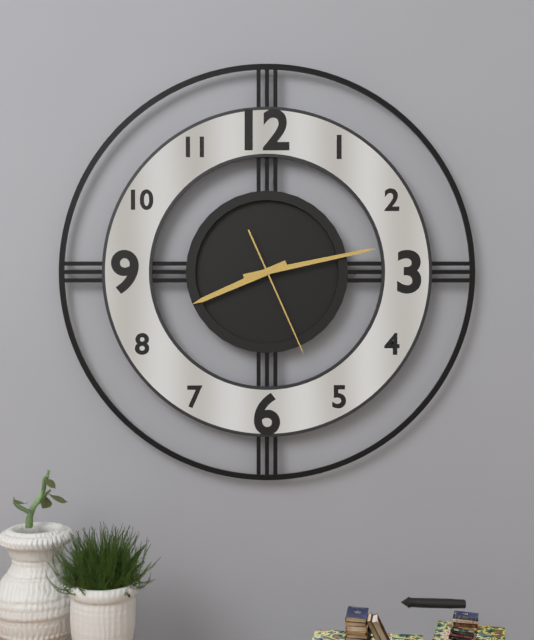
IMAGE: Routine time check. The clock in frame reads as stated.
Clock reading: 8:13:26
